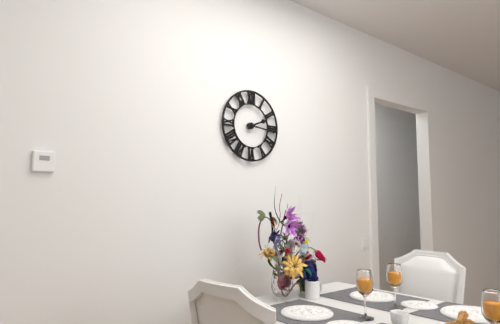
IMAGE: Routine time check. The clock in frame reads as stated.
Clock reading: 2:16
